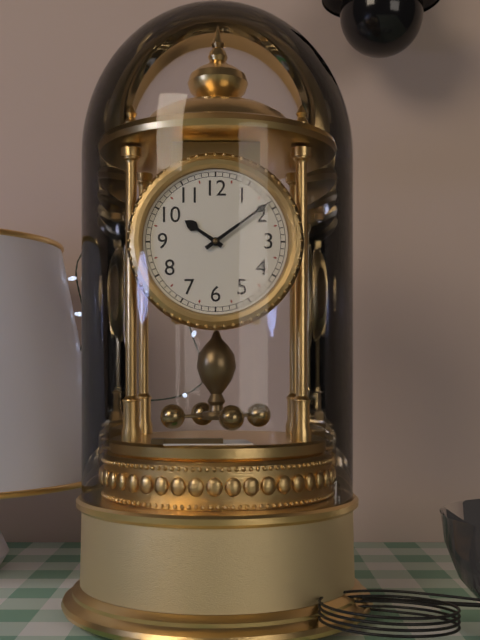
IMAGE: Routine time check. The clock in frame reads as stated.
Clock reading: 10:09
